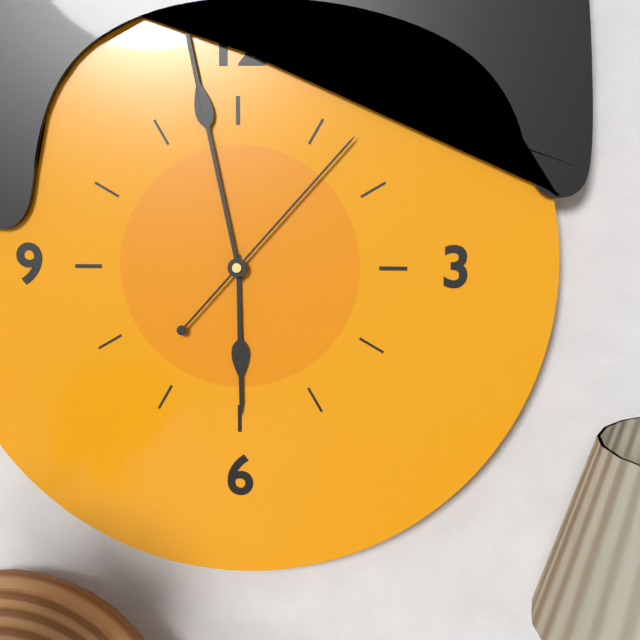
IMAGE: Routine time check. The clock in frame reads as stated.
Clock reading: 5:58:07
